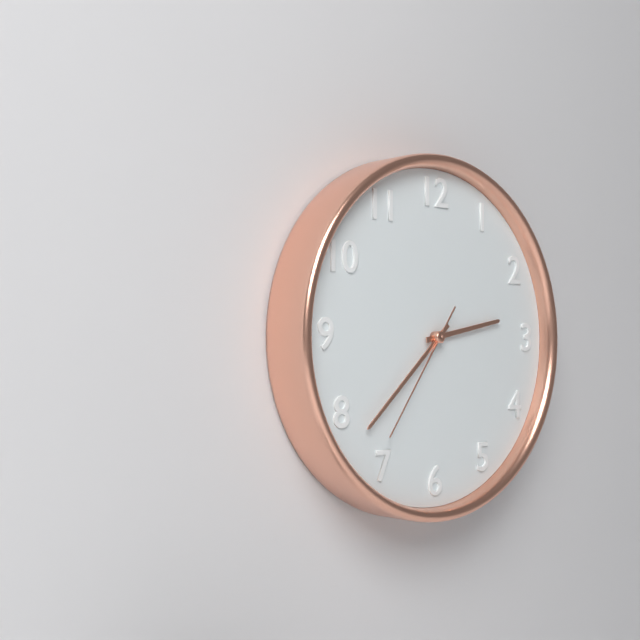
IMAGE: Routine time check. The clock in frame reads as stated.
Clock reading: 2:38:36
